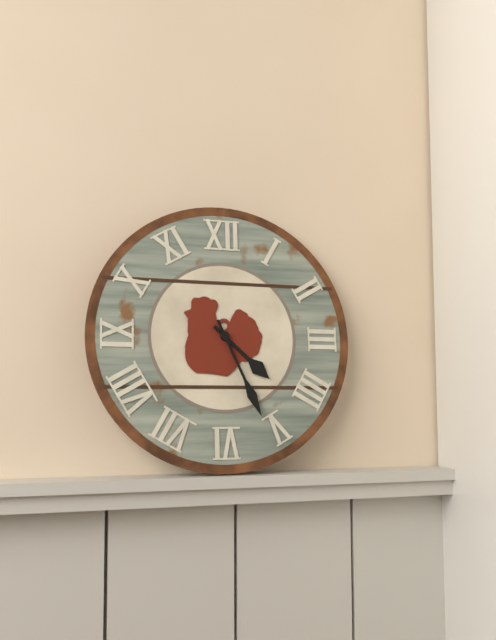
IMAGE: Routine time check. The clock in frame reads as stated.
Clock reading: 4:26
